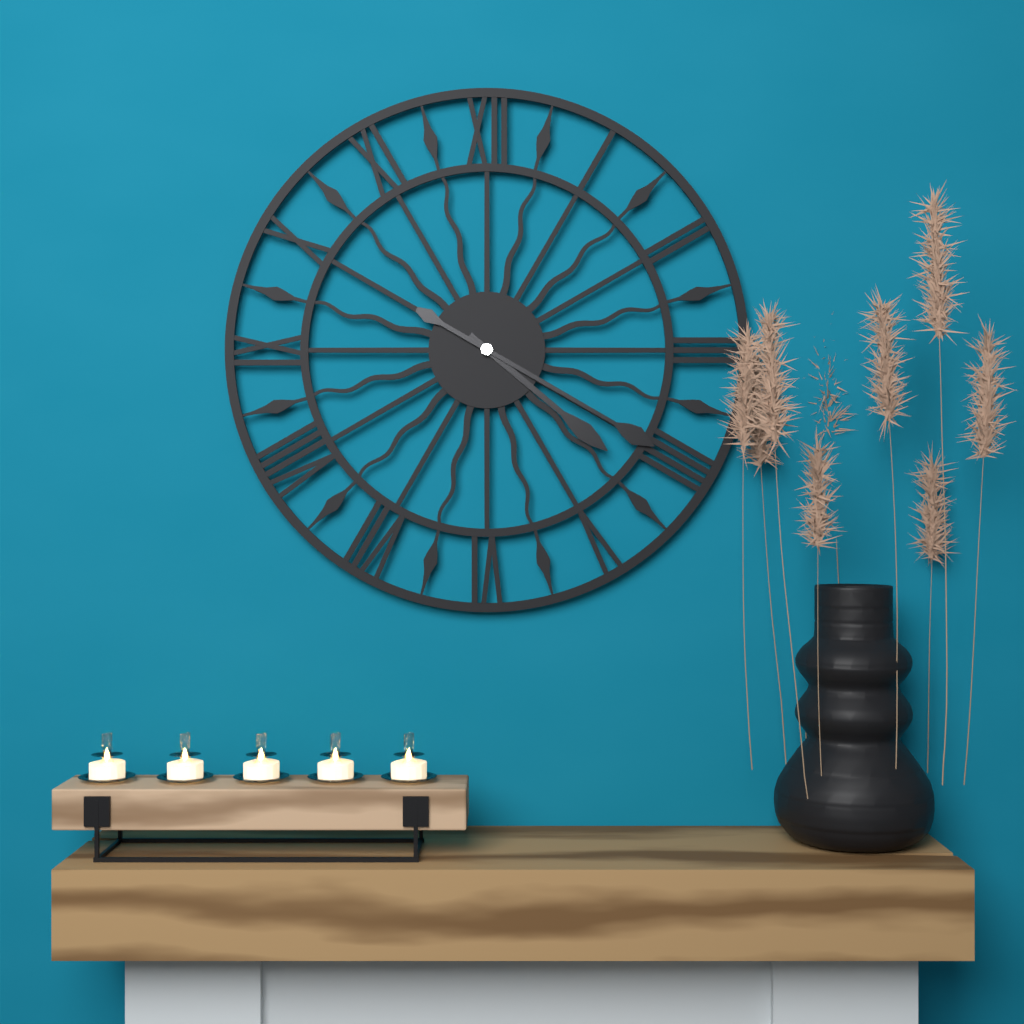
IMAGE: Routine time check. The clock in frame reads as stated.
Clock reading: 4:20
